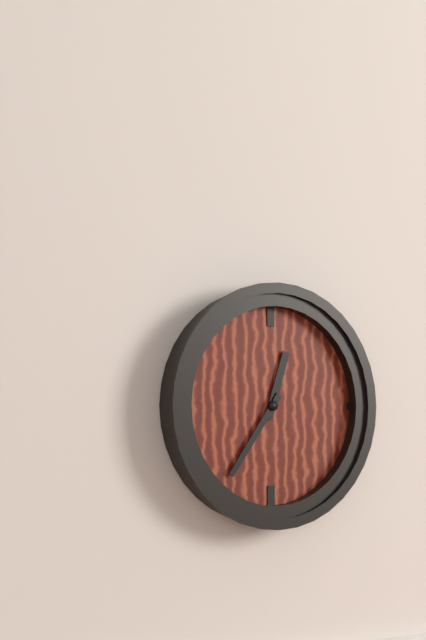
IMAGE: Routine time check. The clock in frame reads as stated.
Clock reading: 12:36
